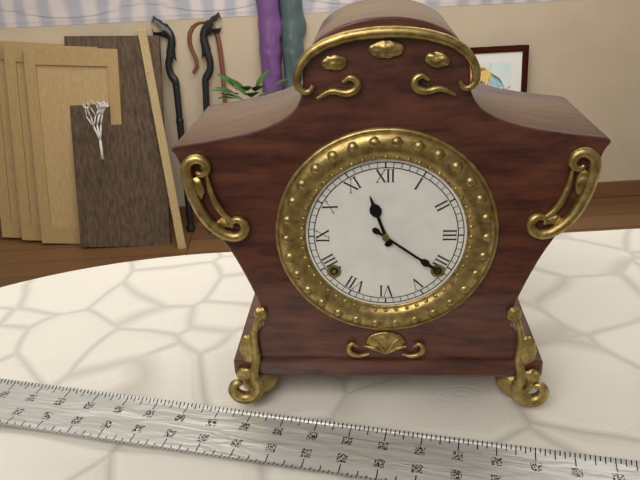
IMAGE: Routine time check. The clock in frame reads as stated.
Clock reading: 11:21
